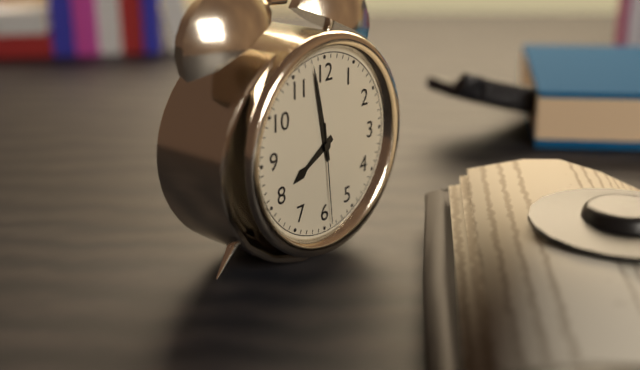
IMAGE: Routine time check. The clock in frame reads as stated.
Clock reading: 7:58:29
